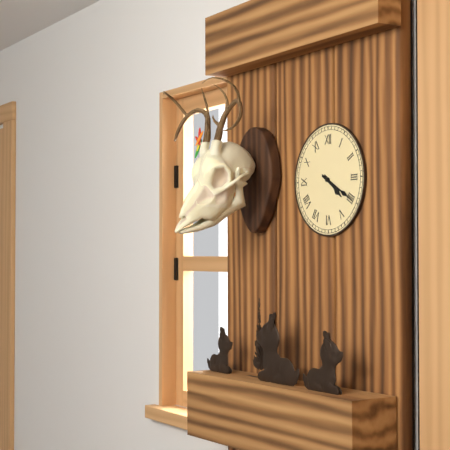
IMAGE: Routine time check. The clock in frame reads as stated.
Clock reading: 4:20
